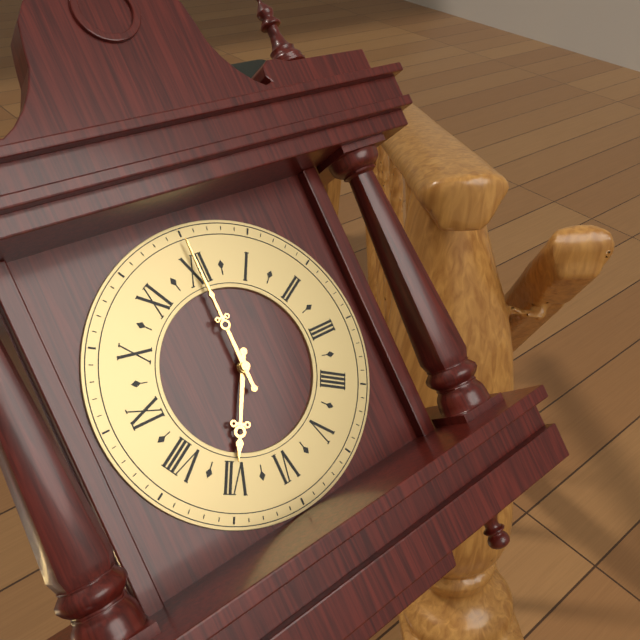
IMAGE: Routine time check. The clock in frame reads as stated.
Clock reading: 7:00
